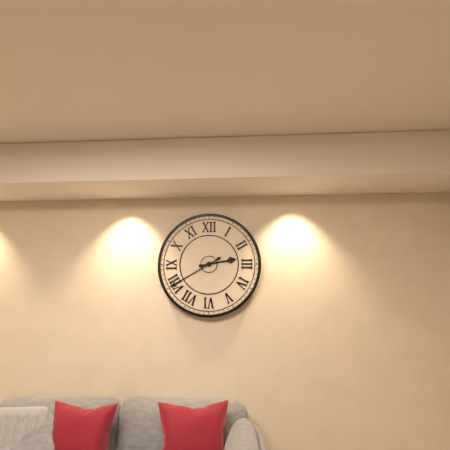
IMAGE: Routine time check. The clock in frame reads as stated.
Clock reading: 2:40
